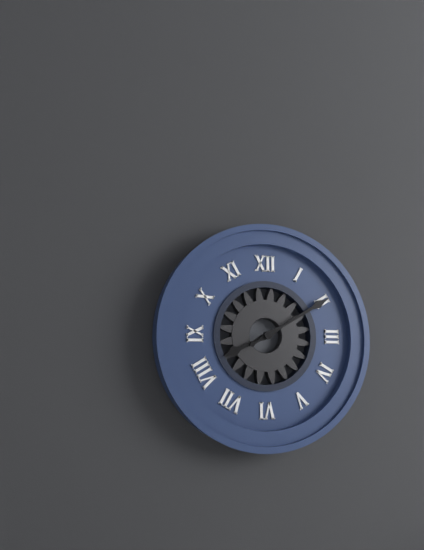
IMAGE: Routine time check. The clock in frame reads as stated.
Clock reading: 8:10
